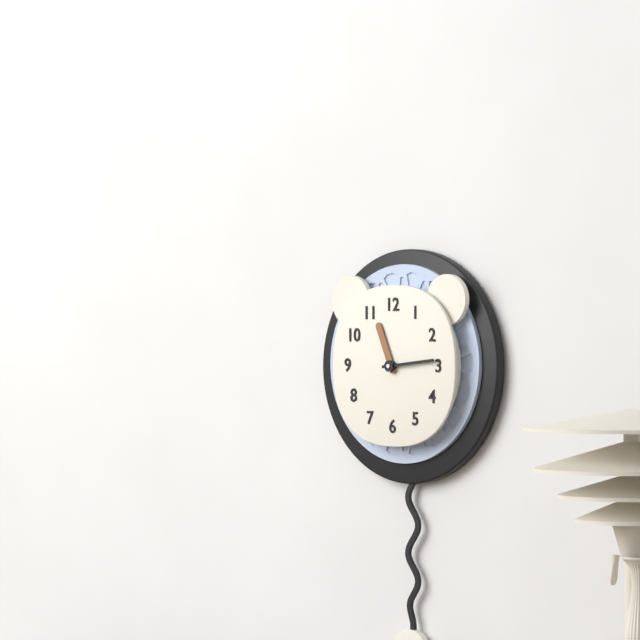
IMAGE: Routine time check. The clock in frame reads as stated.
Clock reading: 11:14
